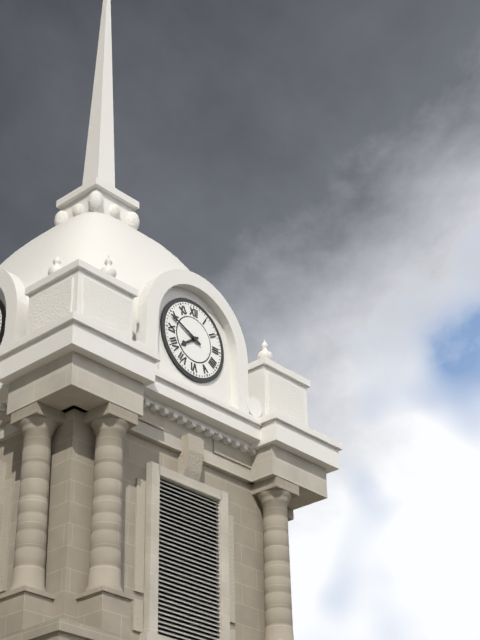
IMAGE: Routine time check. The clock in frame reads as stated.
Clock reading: 7:49
